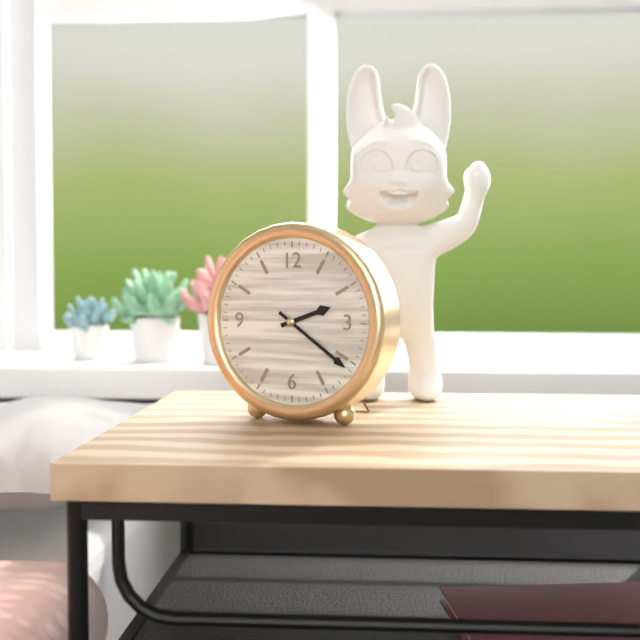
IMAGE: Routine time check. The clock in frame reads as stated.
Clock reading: 2:21
